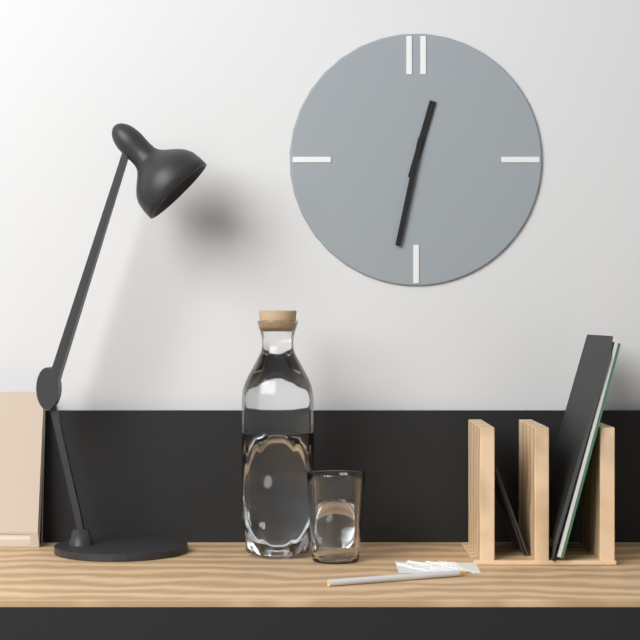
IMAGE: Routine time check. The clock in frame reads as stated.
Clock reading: 12:32
